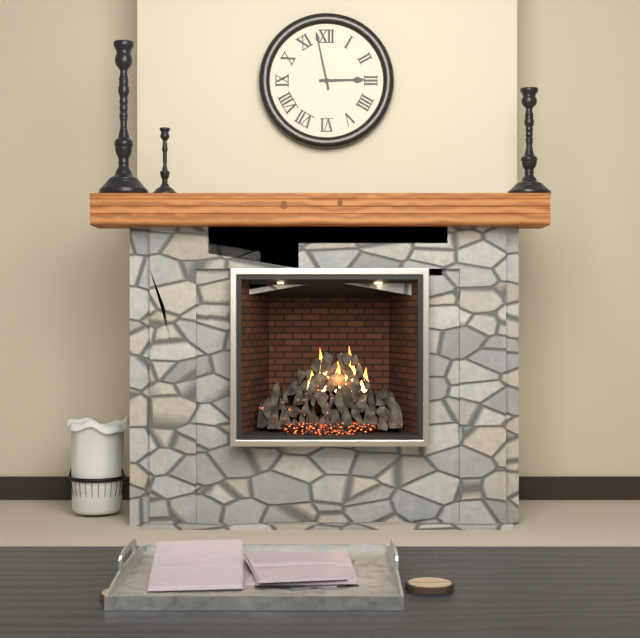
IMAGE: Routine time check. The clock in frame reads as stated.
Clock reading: 2:58
